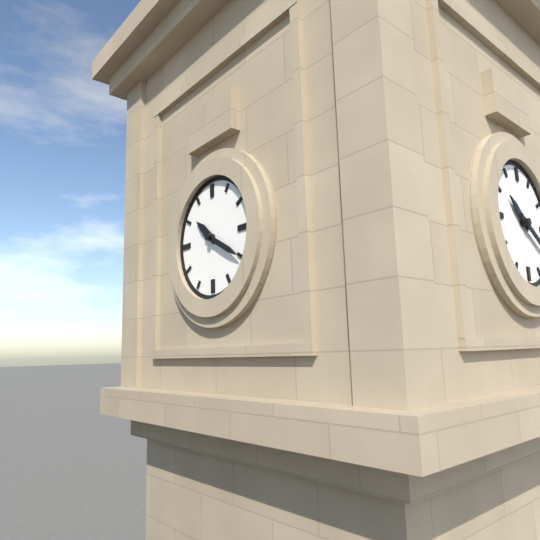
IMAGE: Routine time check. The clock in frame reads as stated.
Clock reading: 10:20
